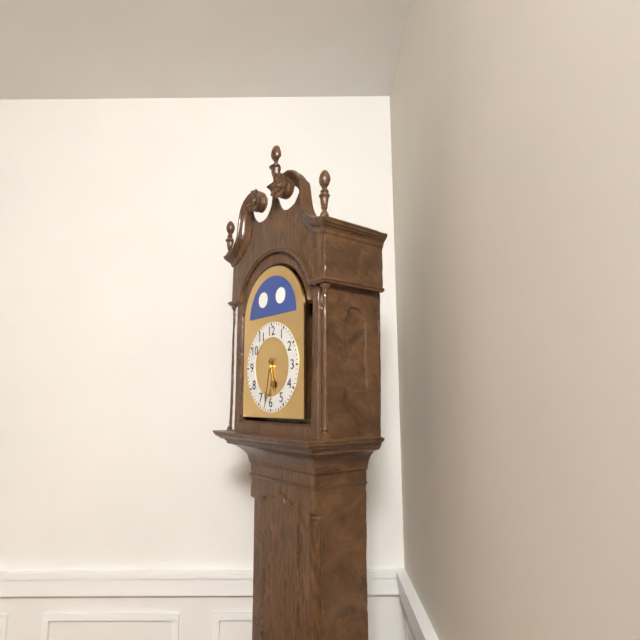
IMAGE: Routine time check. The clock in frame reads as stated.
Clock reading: 5:32
